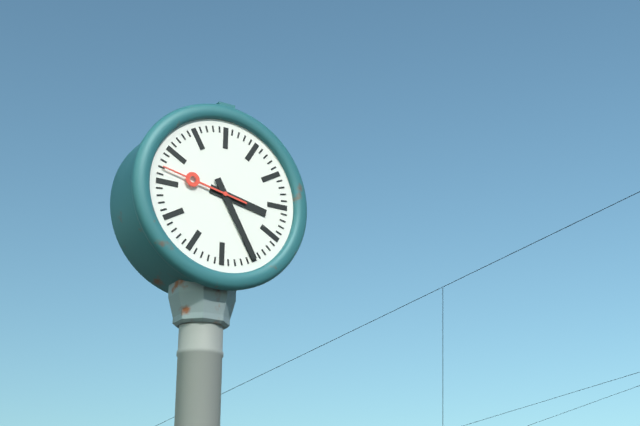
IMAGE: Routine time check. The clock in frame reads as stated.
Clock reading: 3:25:47
